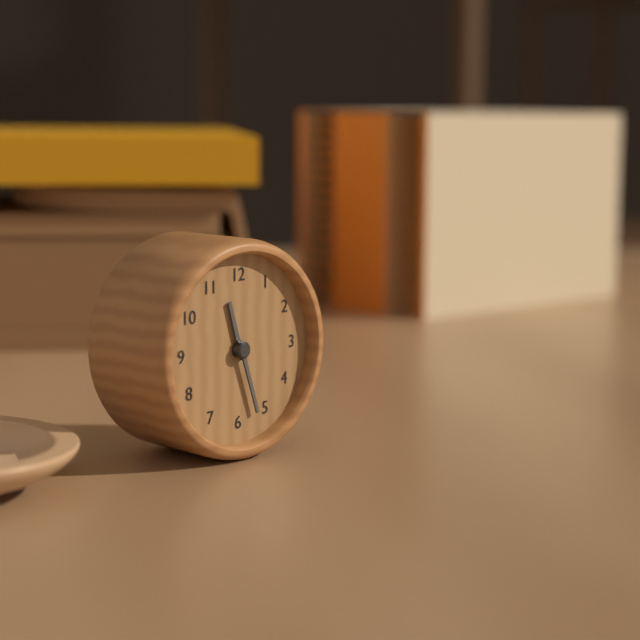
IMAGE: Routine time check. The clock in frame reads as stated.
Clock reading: 11:27
